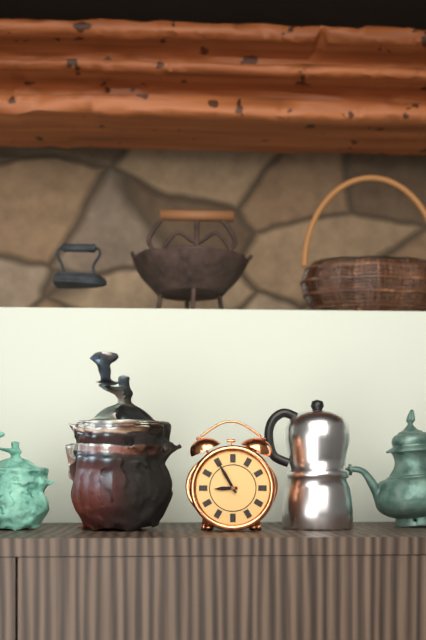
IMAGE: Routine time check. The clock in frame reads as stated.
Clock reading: 8:55
